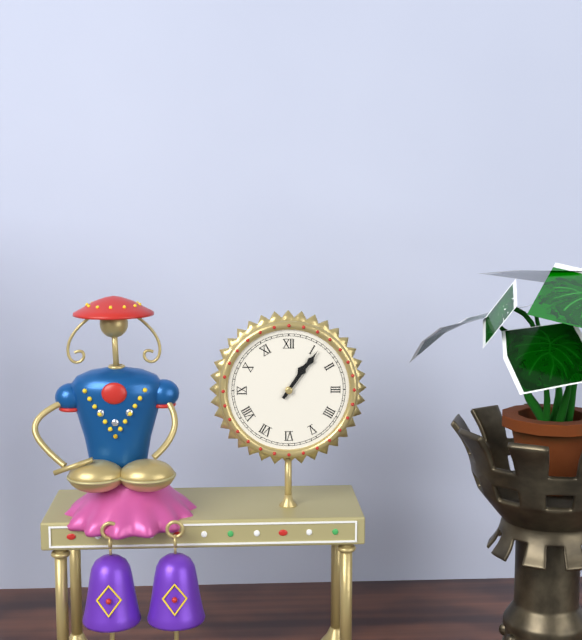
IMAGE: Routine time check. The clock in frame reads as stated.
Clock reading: 1:06
